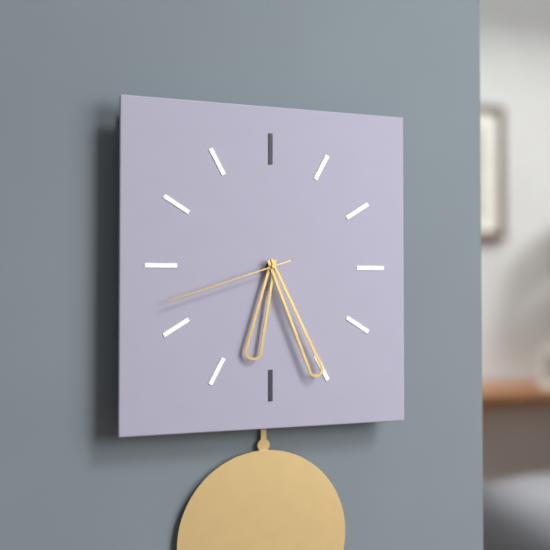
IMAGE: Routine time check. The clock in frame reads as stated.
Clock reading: 6:26:42
